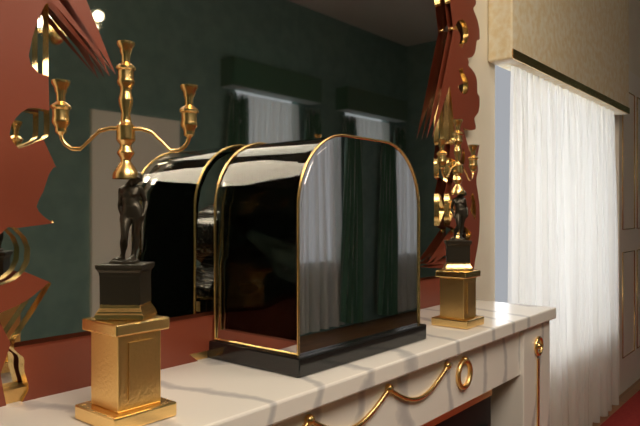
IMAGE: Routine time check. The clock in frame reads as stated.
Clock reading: 11:03
